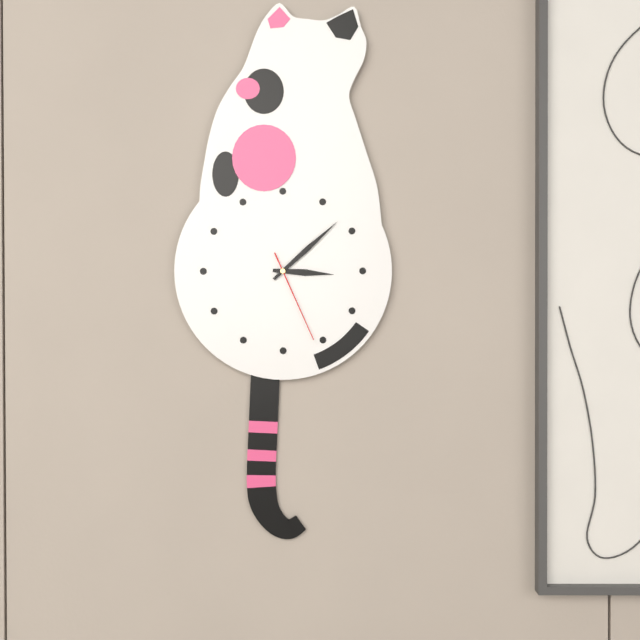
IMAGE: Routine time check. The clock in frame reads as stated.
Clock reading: 3:08:26
